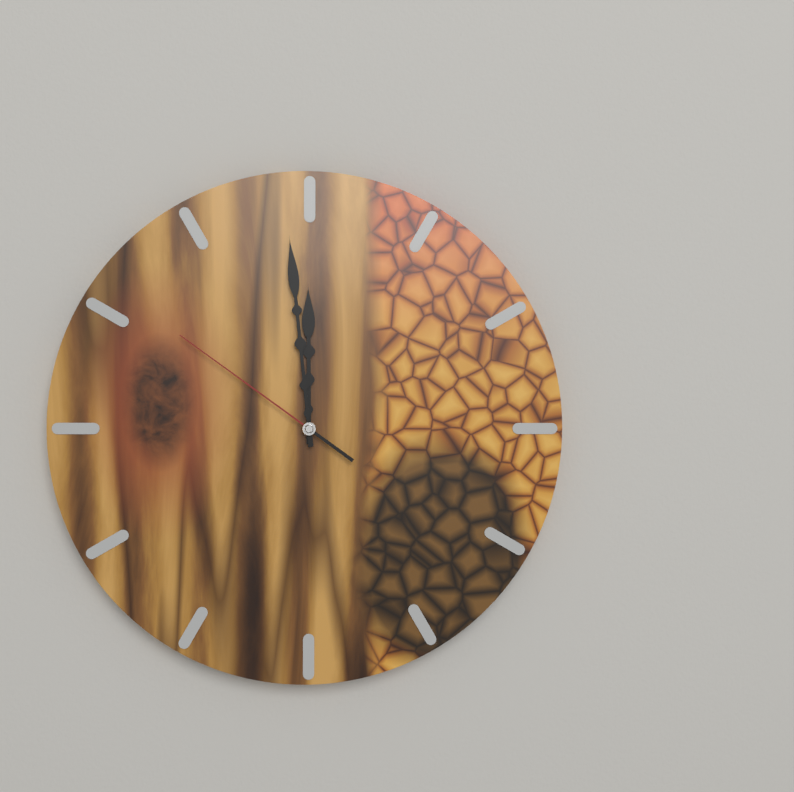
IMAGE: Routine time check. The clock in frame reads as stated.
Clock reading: 11:59:51
